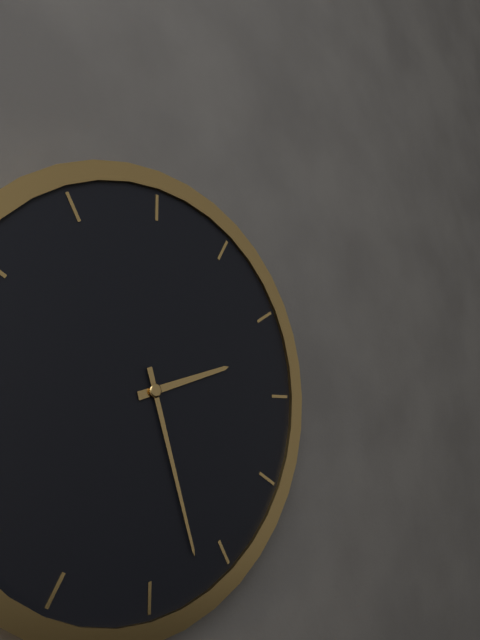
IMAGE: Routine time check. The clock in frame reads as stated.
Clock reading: 2:27
